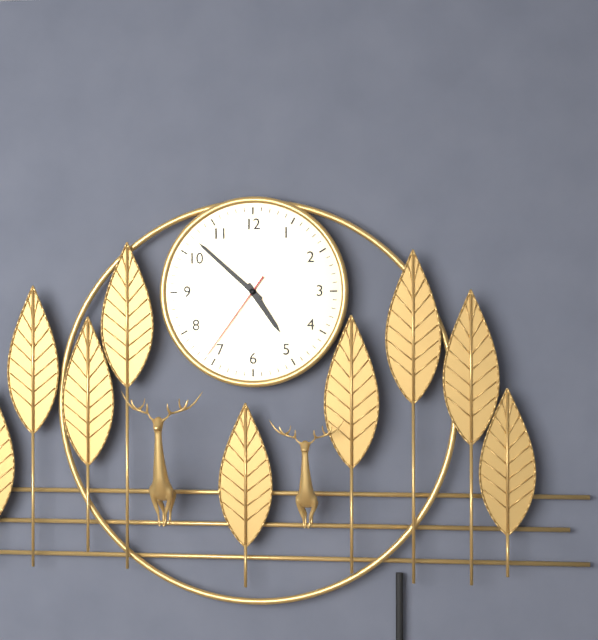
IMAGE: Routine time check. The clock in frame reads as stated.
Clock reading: 4:52:36
